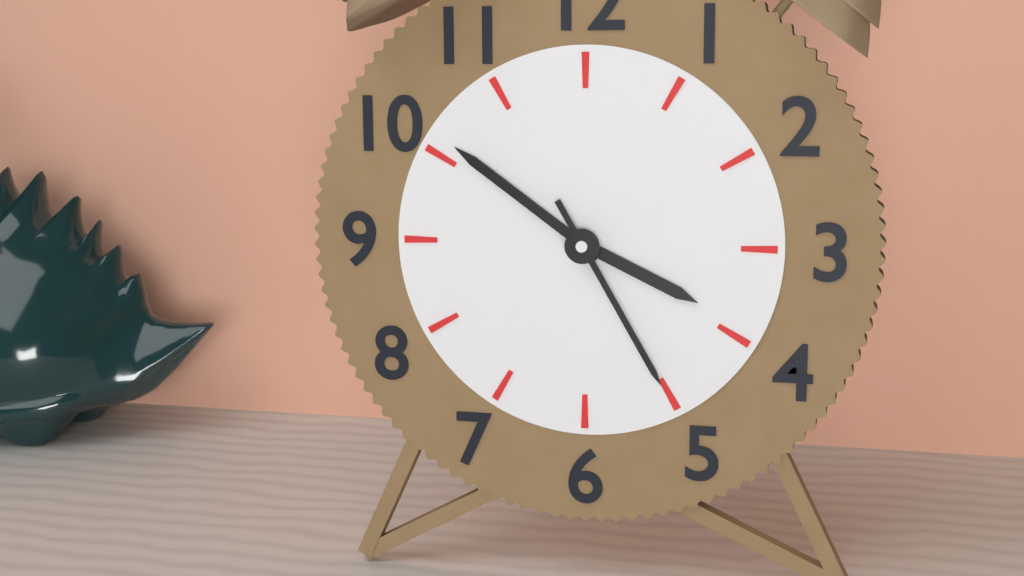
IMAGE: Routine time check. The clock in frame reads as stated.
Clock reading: 3:51:25
